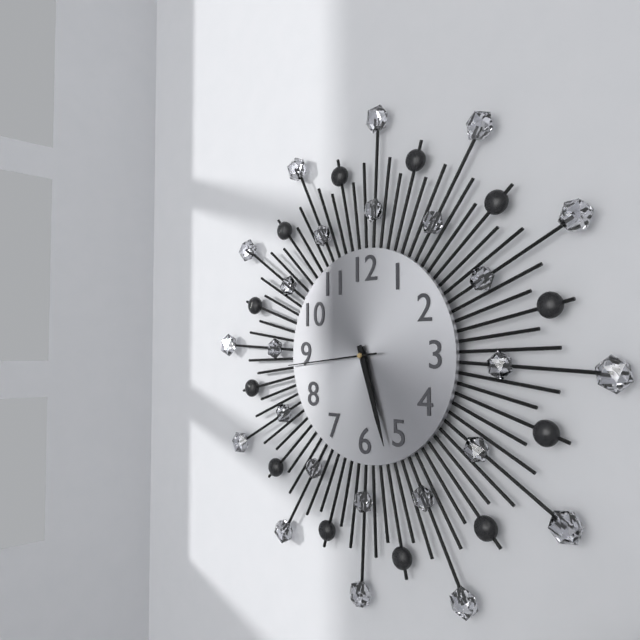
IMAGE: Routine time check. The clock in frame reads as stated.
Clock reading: 5:27:44
